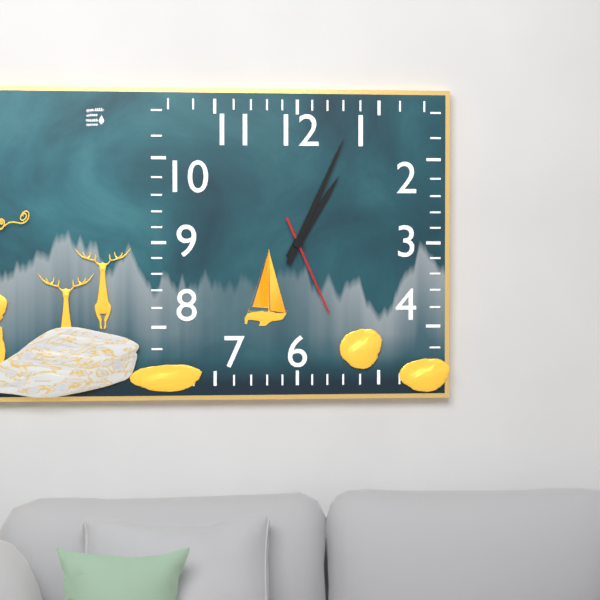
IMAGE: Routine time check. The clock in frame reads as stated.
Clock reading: 1:04:26
